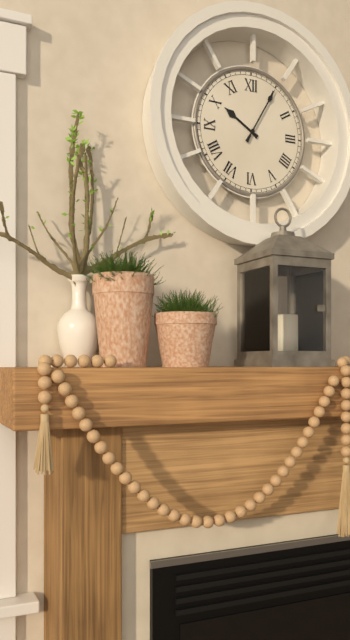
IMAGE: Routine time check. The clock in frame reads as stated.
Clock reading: 10:05
